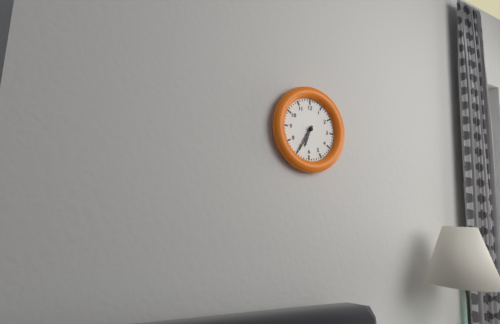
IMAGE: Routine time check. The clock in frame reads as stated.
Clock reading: 6:35
